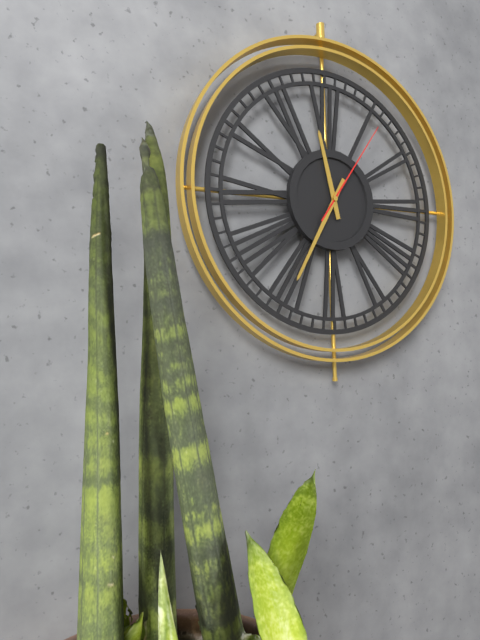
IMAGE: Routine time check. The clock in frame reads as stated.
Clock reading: 11:35:06
